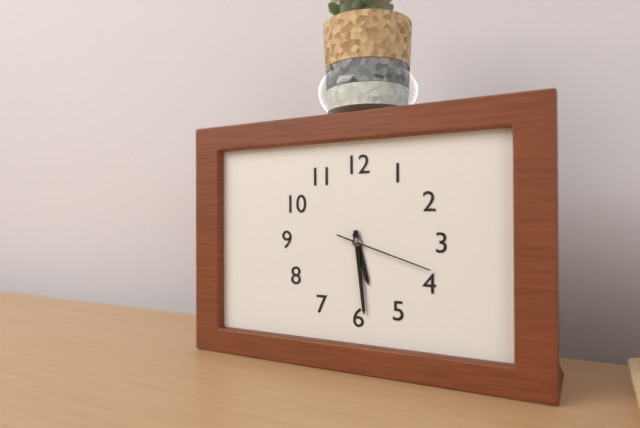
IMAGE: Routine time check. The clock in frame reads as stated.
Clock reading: 5:29:18
